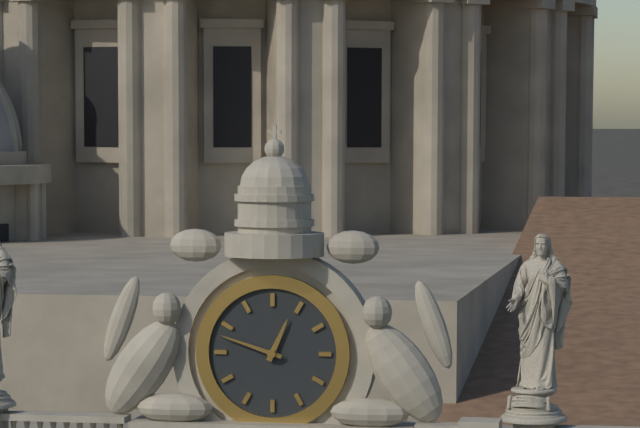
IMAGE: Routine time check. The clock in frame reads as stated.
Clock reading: 12:48
